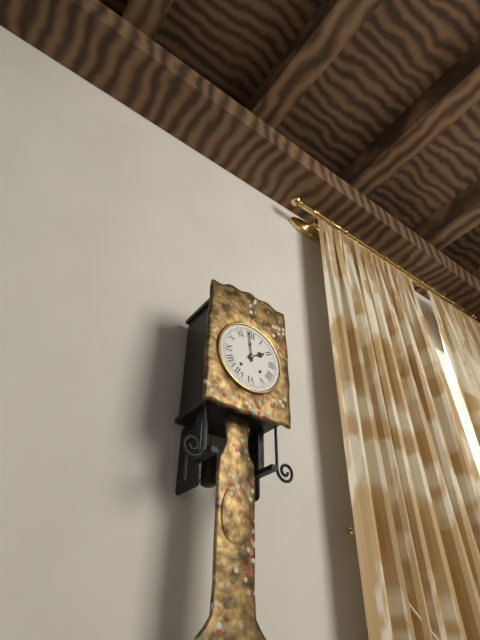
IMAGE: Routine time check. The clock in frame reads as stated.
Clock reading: 1:59
